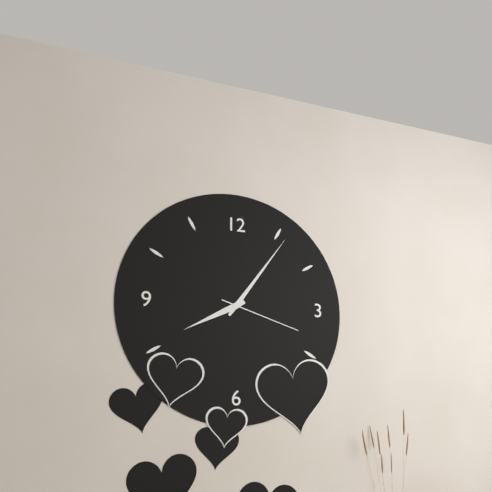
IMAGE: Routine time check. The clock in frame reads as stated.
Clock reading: 8:06:18
